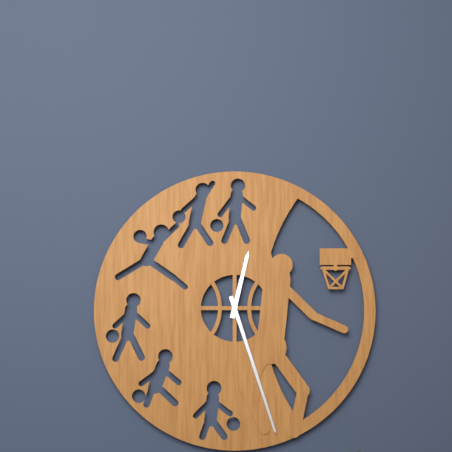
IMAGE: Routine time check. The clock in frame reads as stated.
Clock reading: 12:27
